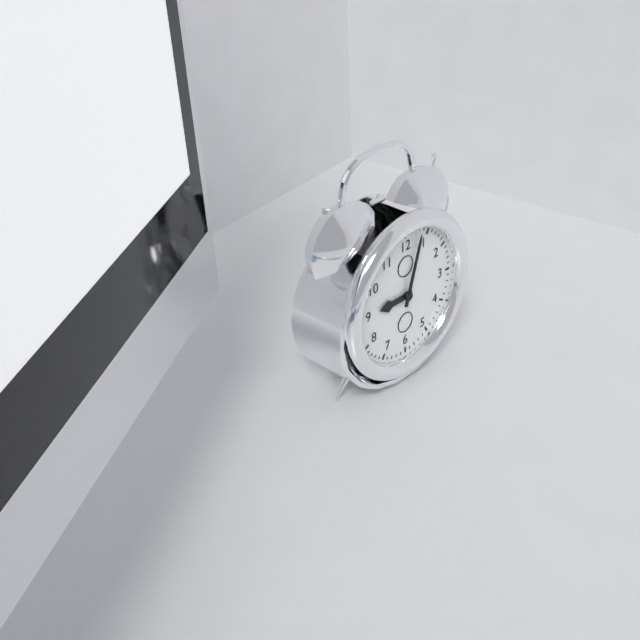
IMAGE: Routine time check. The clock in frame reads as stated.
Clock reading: 9:03
